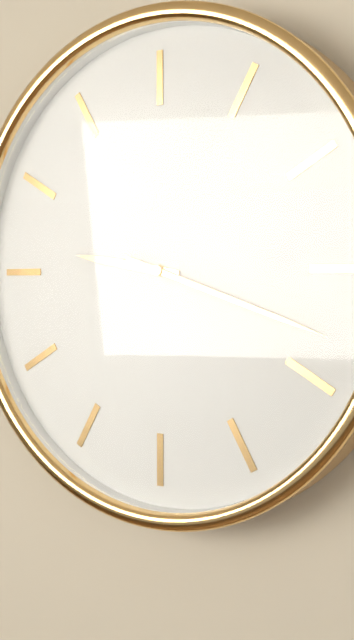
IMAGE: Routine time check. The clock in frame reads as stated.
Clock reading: 9:18
